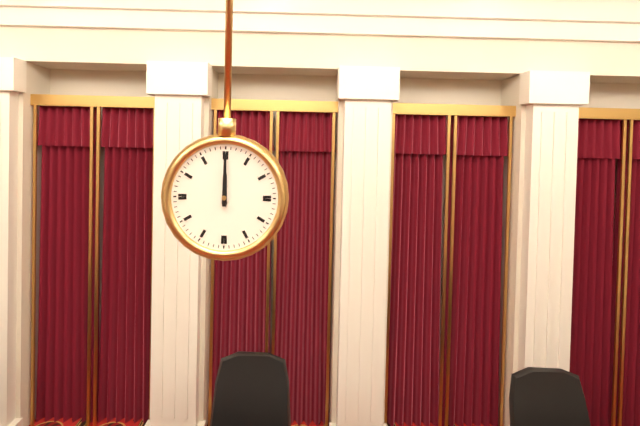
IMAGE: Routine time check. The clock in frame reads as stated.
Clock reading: 12:00
